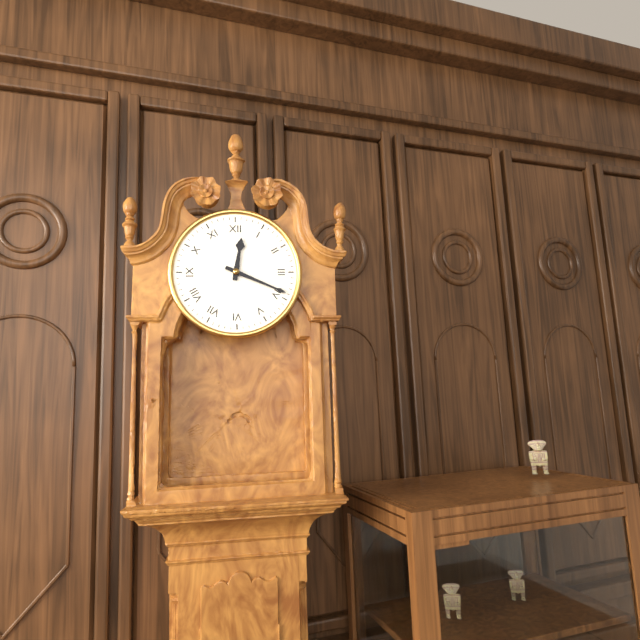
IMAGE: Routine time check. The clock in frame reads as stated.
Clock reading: 12:19
